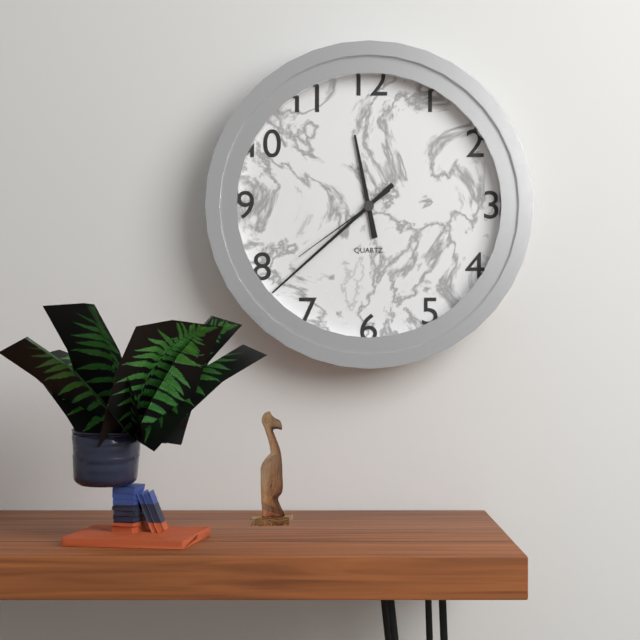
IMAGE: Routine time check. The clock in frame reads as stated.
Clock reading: 11:38:39
